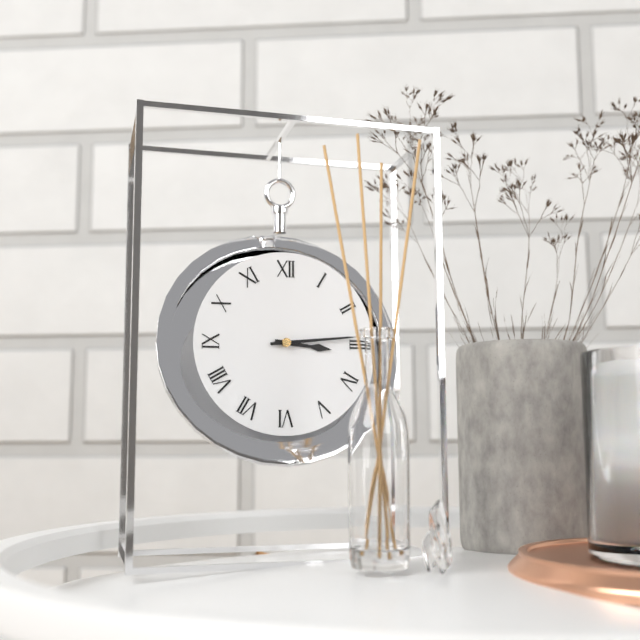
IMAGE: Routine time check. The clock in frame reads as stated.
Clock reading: 3:14
